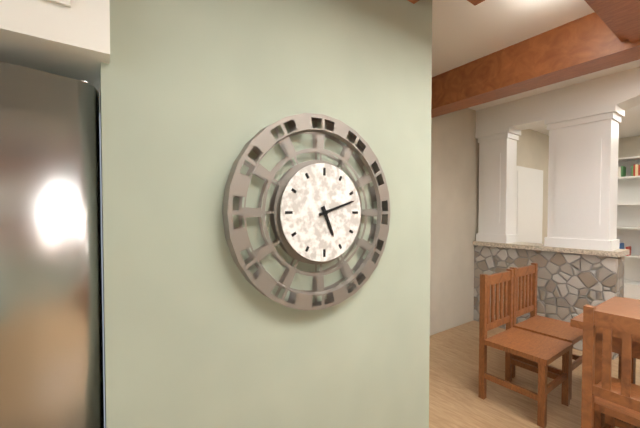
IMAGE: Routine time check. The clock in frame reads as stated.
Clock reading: 5:12
